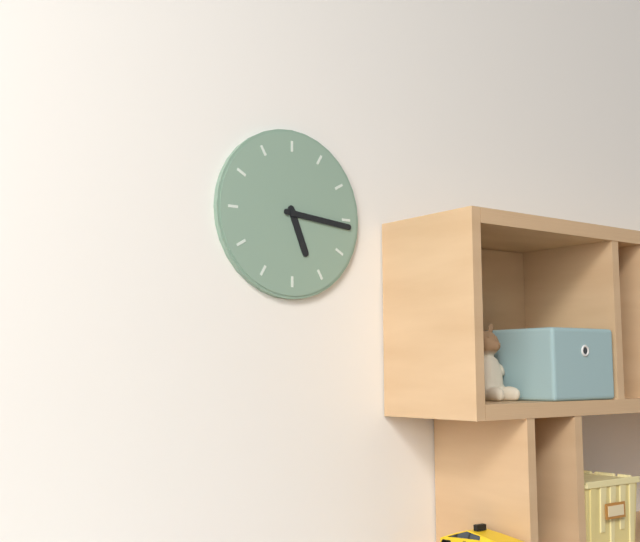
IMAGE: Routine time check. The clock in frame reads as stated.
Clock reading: 5:16
